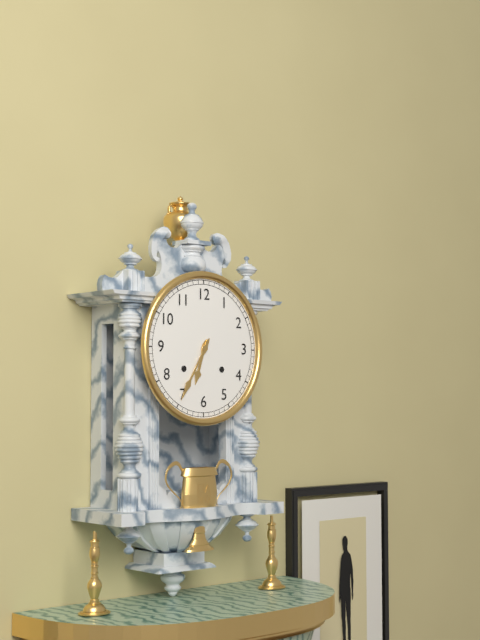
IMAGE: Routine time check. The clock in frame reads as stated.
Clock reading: 6:35
